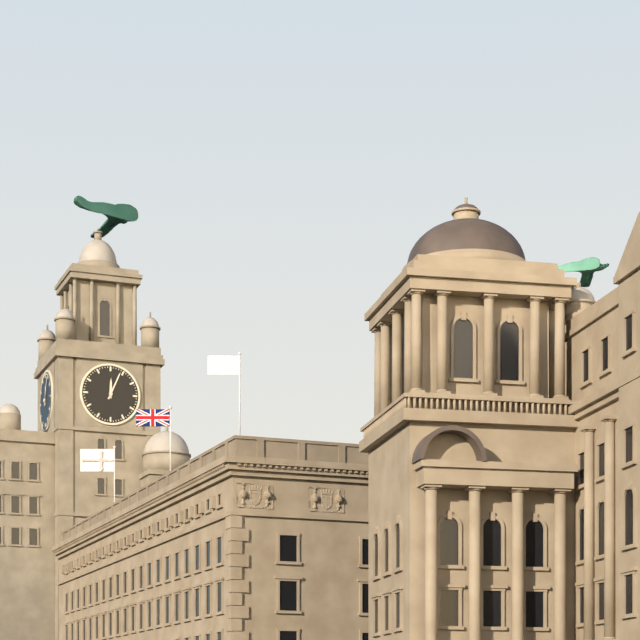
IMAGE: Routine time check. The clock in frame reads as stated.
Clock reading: 12:04
